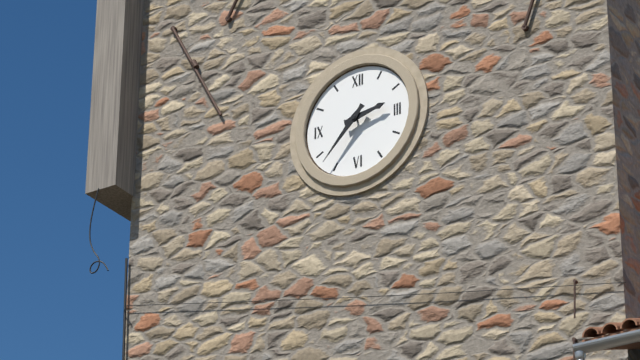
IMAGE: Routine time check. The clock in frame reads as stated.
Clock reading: 2:37
